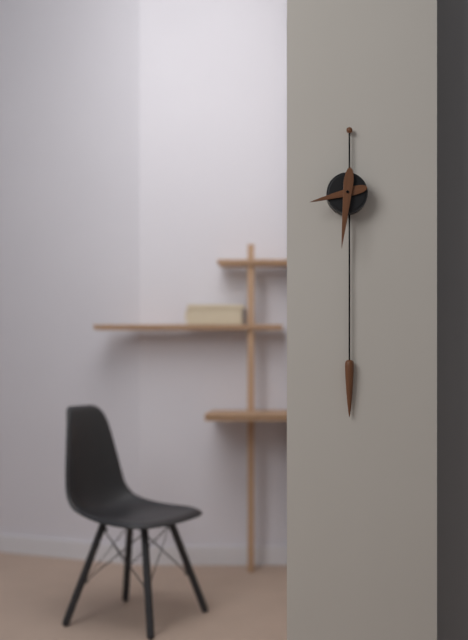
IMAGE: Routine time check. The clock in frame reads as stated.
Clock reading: 8:31
